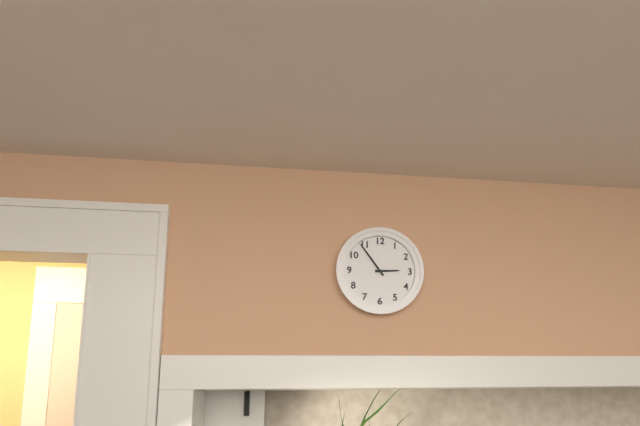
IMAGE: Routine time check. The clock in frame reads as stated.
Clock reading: 2:54
